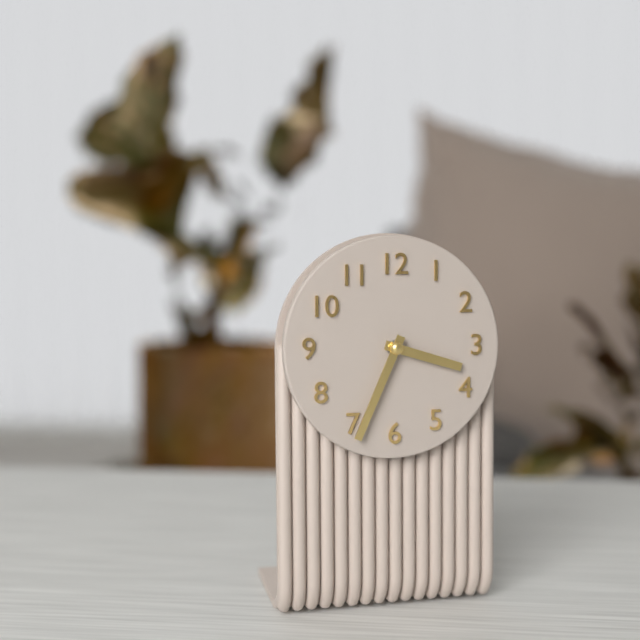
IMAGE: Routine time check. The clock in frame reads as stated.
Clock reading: 3:34
